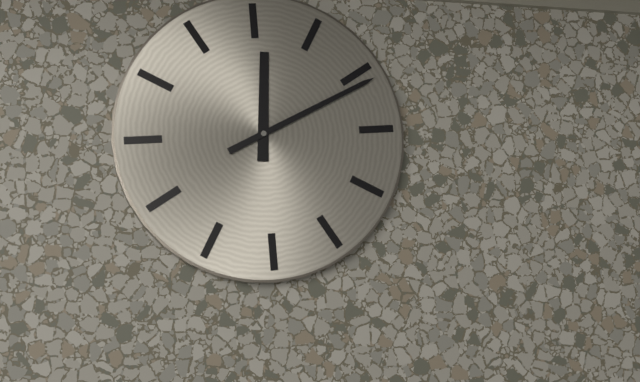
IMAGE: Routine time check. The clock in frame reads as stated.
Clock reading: 12:11
